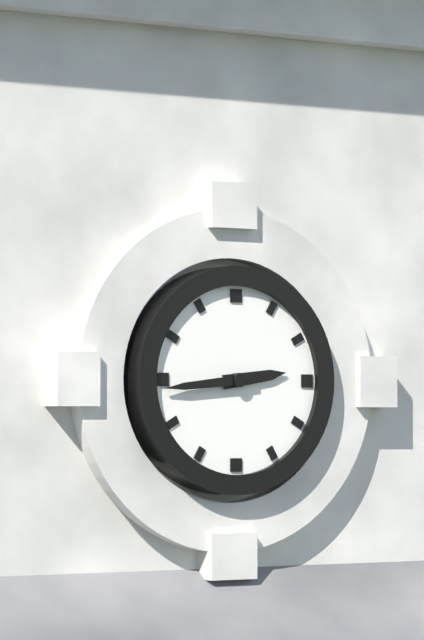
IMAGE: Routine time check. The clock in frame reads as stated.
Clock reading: 2:44
